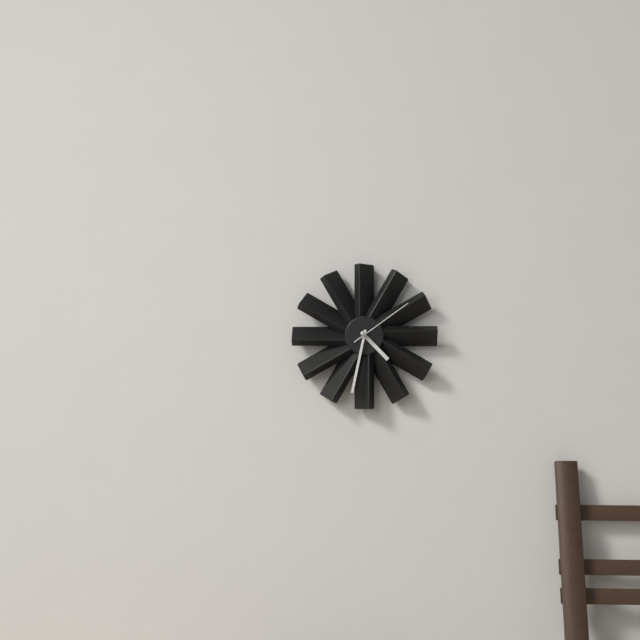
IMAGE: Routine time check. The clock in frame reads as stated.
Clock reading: 4:32:09
